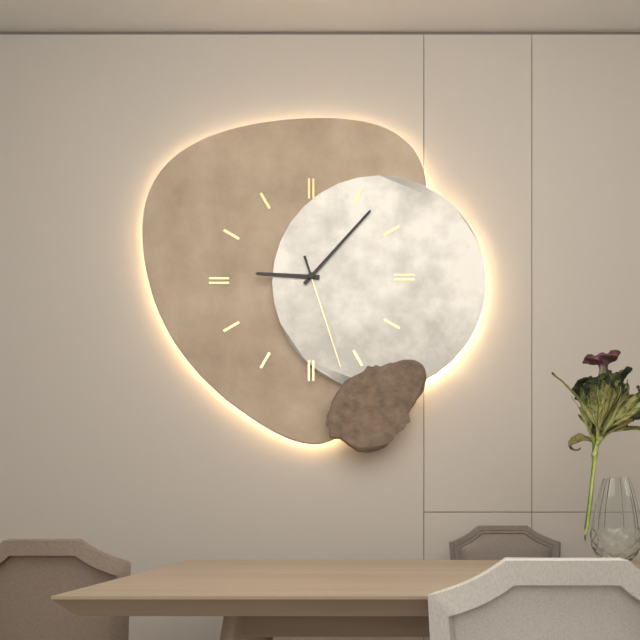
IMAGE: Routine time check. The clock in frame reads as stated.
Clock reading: 9:07:27
